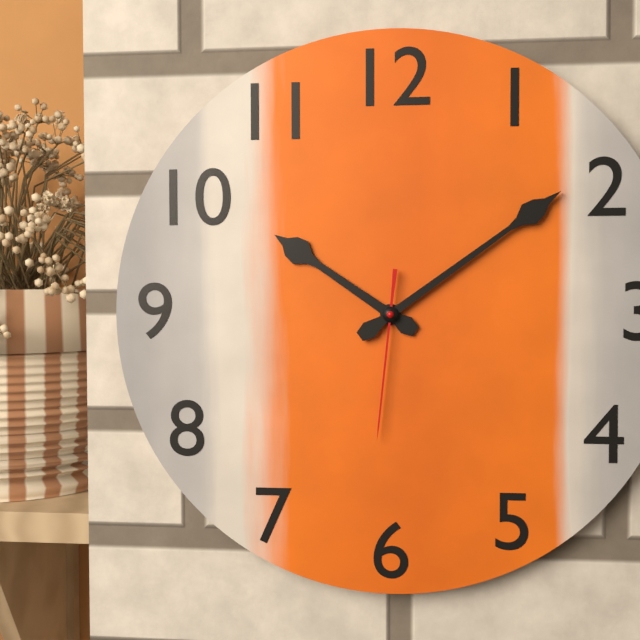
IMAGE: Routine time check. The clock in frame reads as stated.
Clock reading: 10:09:31
